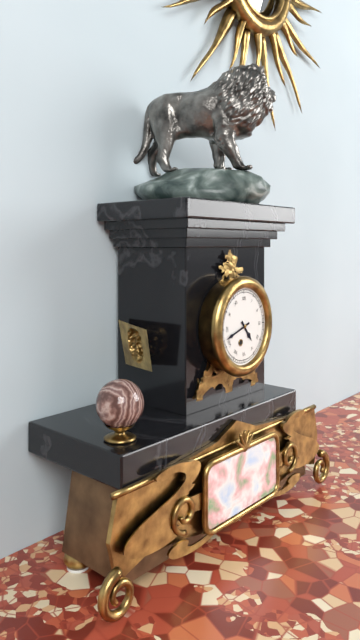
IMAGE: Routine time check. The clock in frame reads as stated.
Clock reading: 4:42
